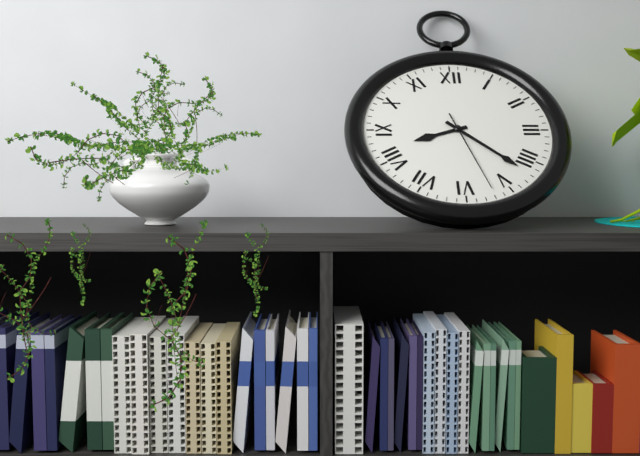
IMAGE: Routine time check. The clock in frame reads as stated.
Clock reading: 8:22:27
